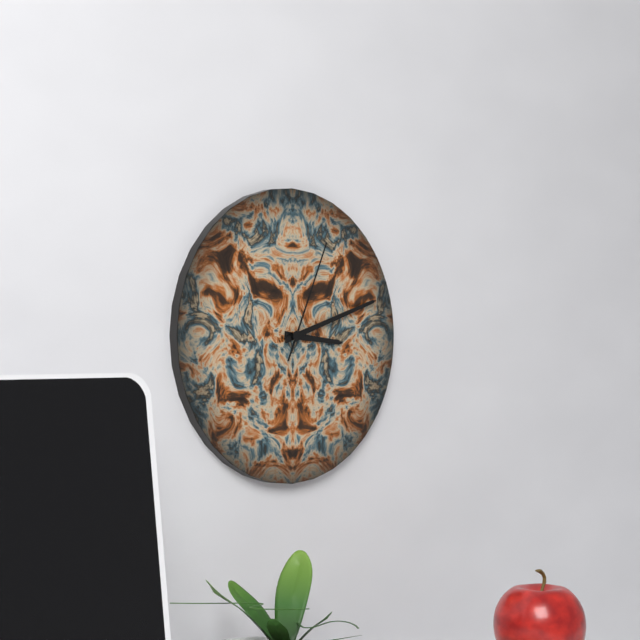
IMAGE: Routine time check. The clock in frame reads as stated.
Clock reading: 3:12:04
